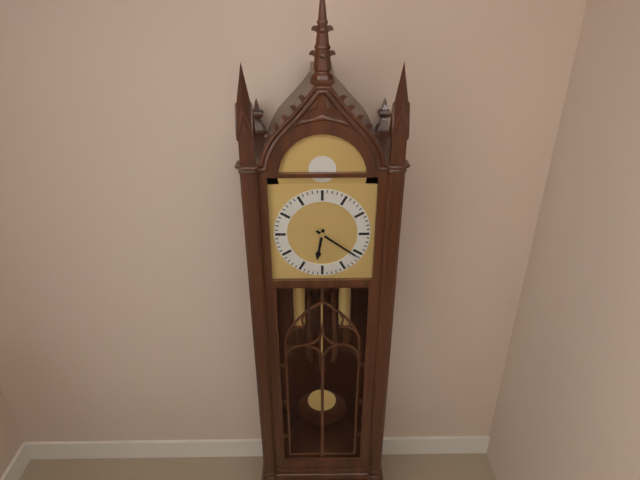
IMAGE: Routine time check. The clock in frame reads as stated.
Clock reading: 6:21
